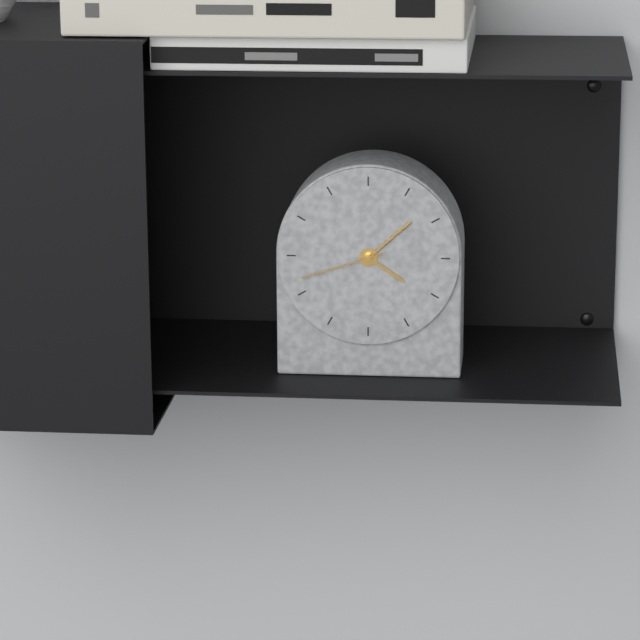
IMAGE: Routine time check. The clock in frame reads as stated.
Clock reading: 4:08:42
